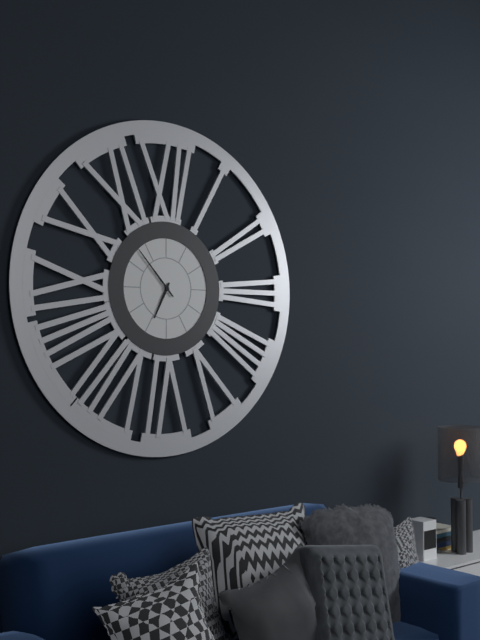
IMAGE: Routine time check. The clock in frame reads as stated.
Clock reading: 6:53
